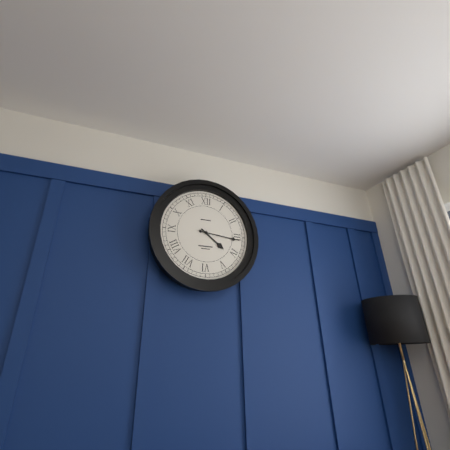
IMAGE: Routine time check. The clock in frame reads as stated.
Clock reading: 4:16
